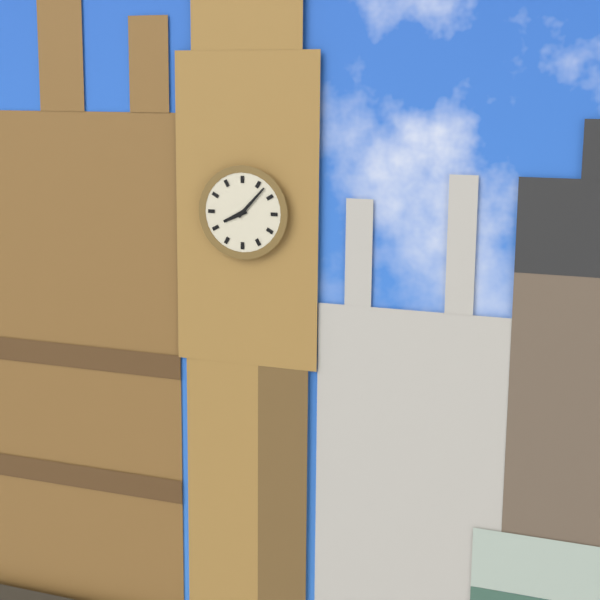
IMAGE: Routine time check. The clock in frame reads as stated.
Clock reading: 8:07
